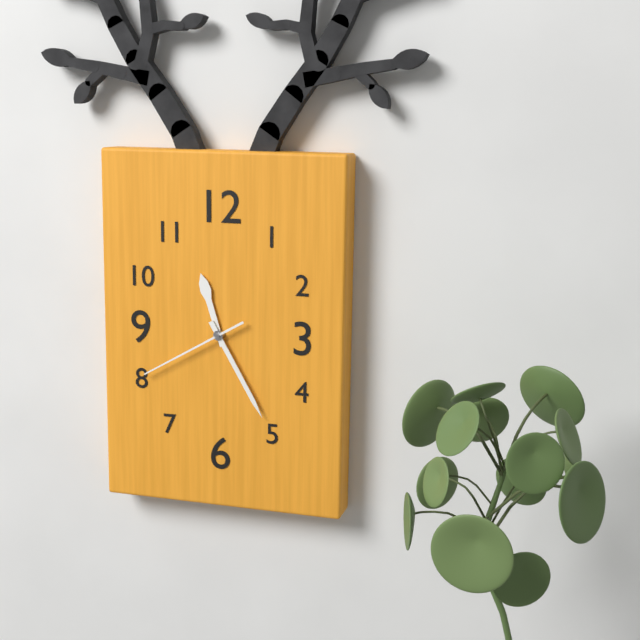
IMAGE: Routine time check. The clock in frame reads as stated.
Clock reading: 11:25:40
